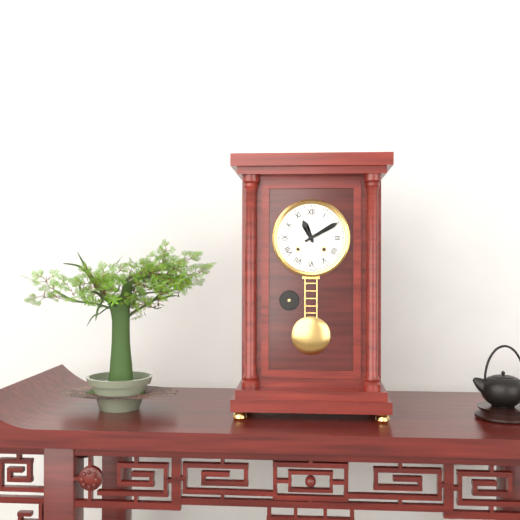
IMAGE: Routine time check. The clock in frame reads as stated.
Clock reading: 11:10
